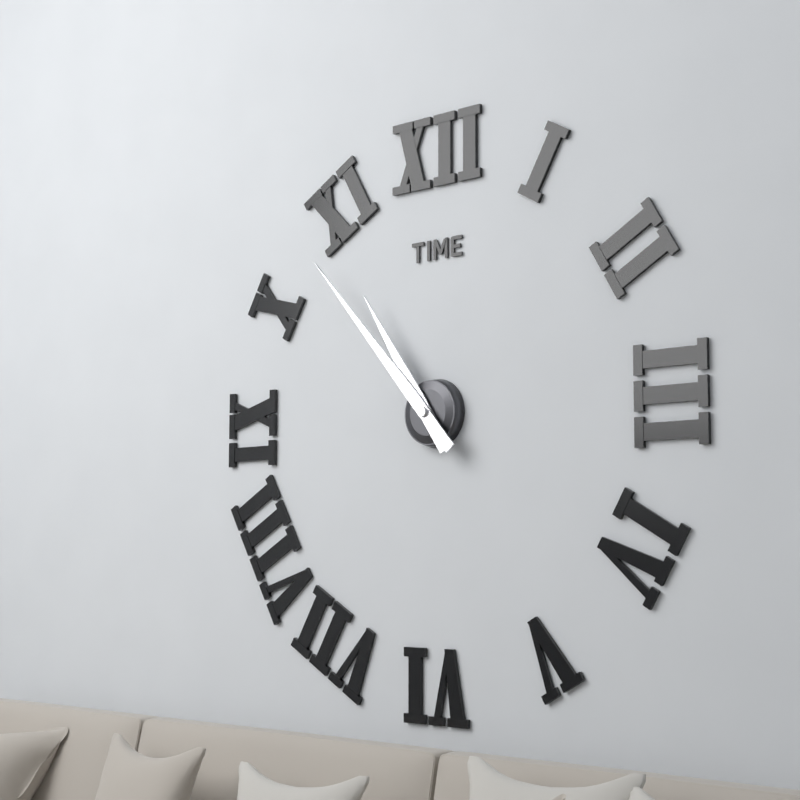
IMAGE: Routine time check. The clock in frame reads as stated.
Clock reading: 10:53
